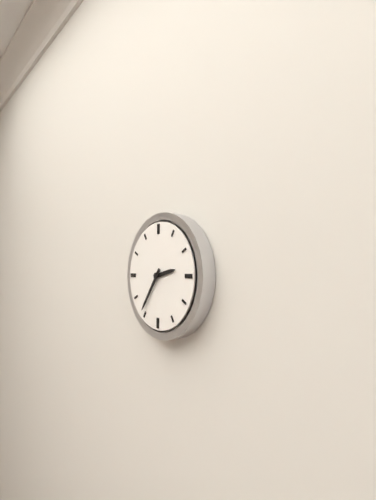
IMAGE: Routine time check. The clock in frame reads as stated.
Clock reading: 2:36
